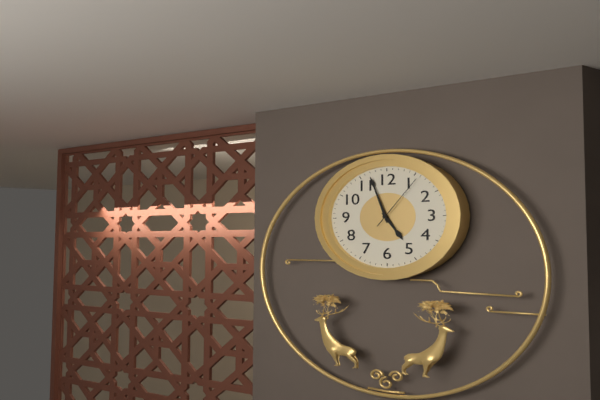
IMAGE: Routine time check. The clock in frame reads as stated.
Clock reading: 4:57:06
